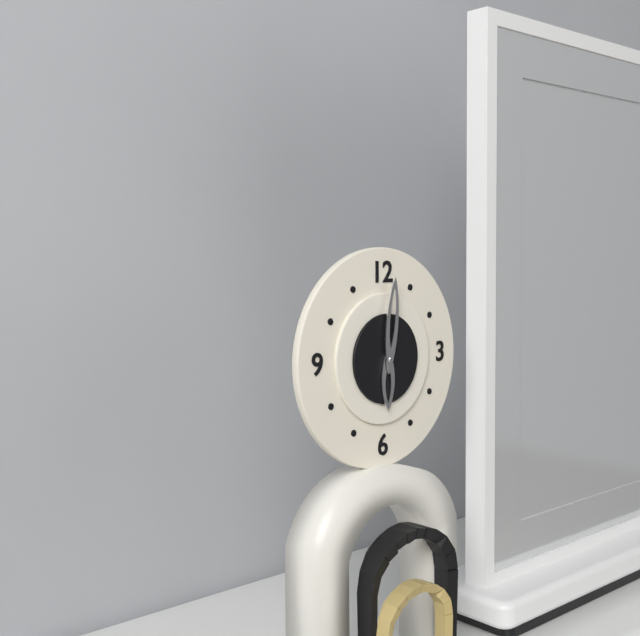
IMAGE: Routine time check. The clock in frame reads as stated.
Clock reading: 6:01
